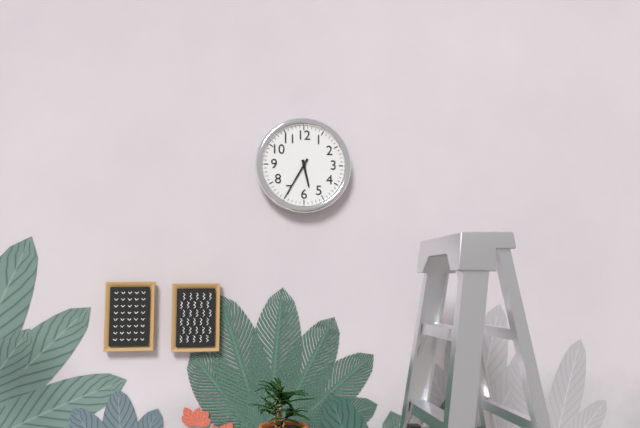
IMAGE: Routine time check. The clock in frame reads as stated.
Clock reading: 5:35
